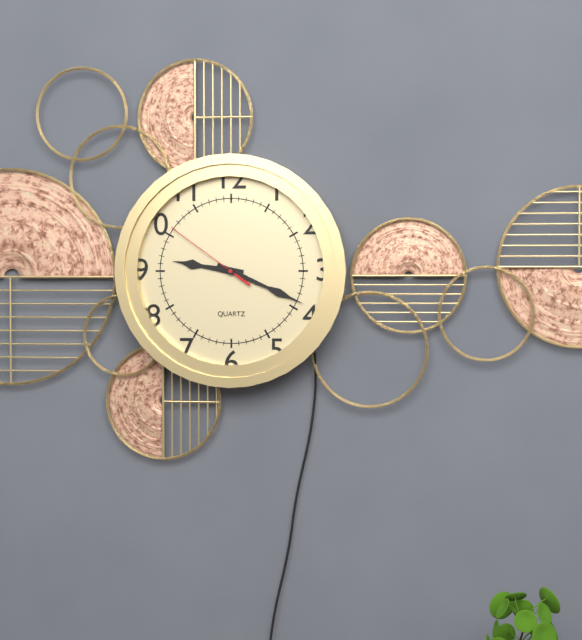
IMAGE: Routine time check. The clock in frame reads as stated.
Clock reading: 9:19:51
